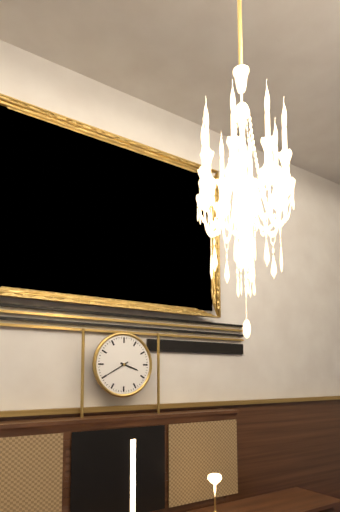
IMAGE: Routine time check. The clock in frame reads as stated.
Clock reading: 3:40
